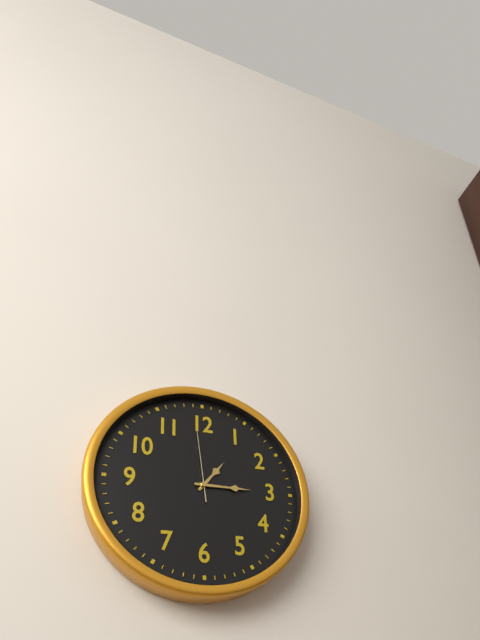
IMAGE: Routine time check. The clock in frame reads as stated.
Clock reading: 1:15:59
